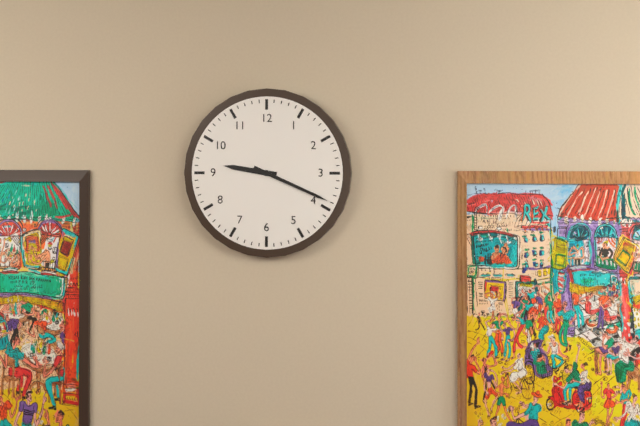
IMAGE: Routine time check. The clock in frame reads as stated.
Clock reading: 9:19
